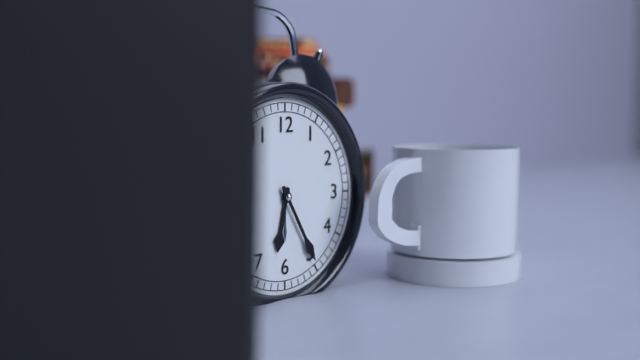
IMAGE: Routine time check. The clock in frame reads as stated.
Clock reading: 6:25
